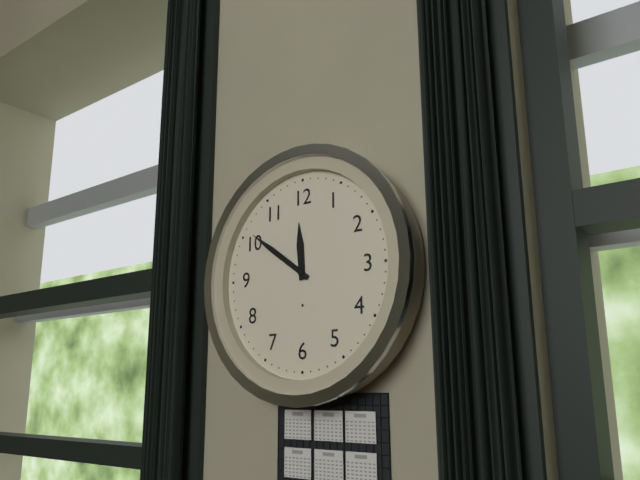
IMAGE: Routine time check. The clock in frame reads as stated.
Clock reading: 11:51
